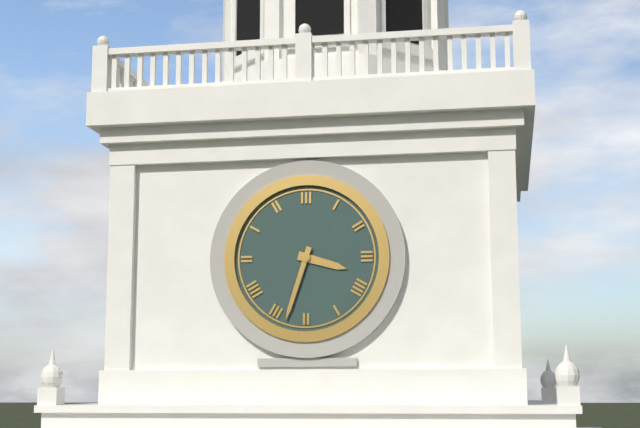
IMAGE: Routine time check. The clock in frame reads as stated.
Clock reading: 3:33
